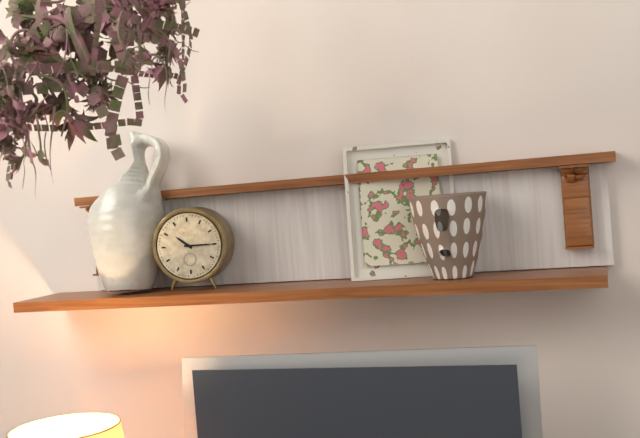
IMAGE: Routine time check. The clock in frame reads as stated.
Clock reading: 10:15
